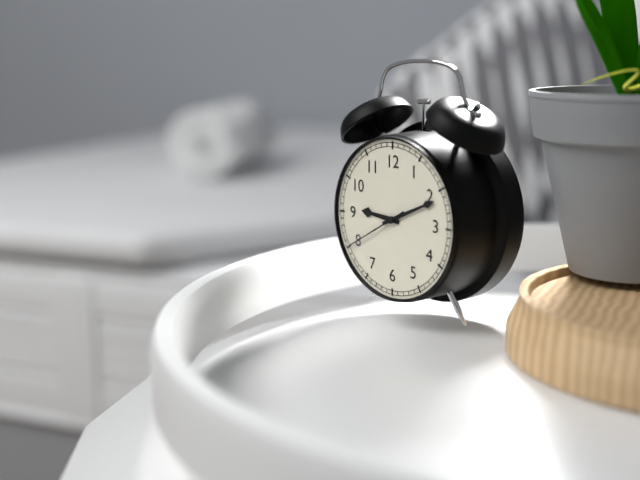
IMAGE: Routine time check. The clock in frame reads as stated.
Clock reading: 9:11:40
